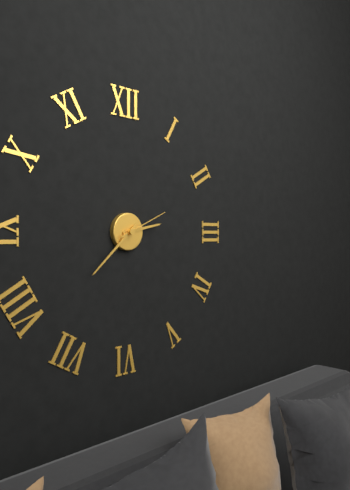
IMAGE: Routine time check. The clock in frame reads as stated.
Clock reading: 2:38
